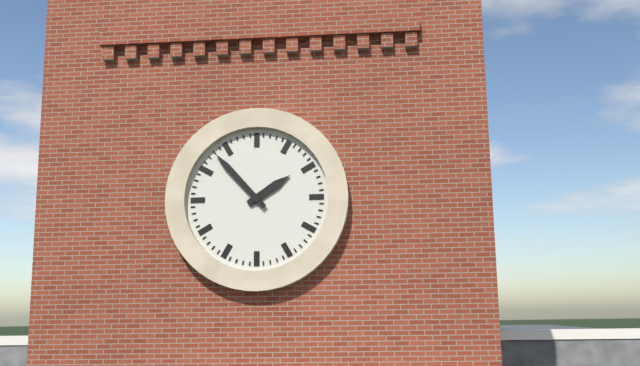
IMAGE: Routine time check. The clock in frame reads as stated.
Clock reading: 1:53
